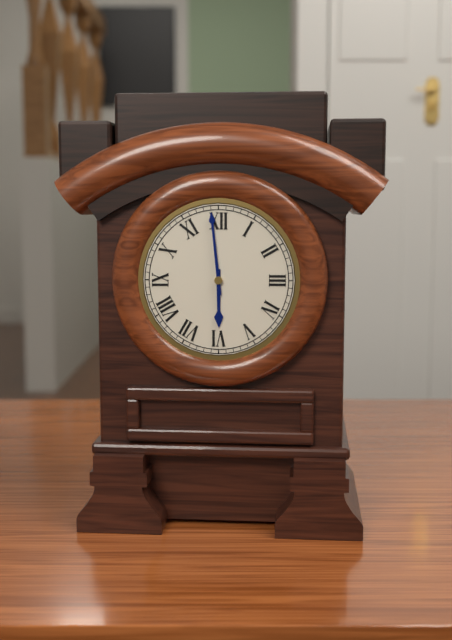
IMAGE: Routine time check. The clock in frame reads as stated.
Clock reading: 5:59
